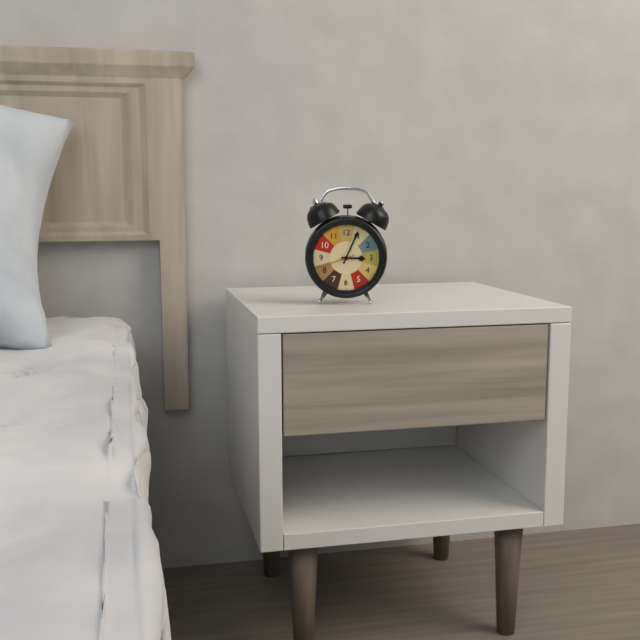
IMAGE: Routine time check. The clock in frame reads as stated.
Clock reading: 3:04
